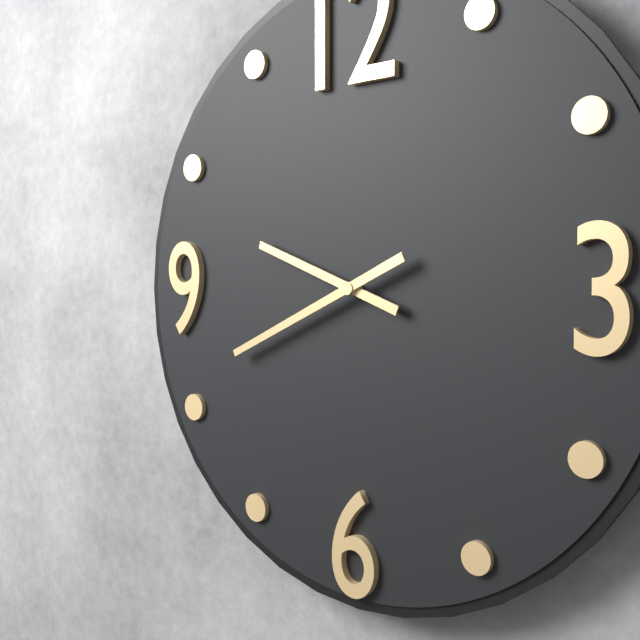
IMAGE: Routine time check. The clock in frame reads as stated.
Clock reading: 9:41
